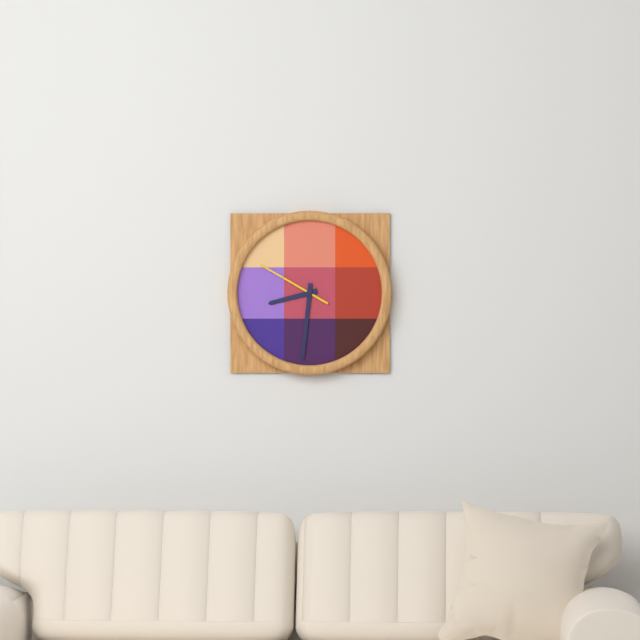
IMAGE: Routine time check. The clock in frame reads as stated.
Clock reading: 8:31:50
